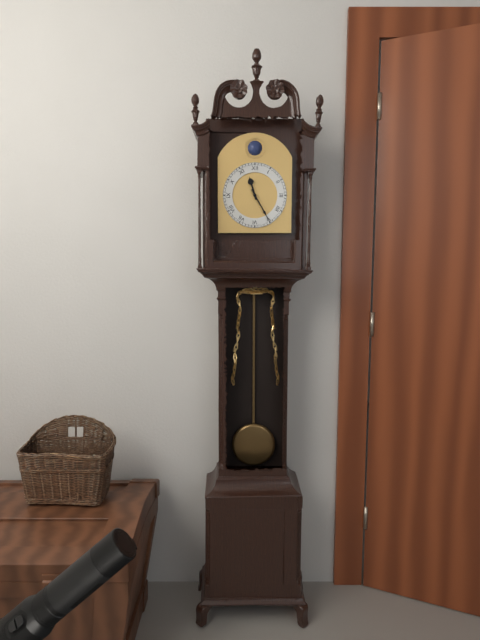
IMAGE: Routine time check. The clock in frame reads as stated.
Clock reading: 11:25
